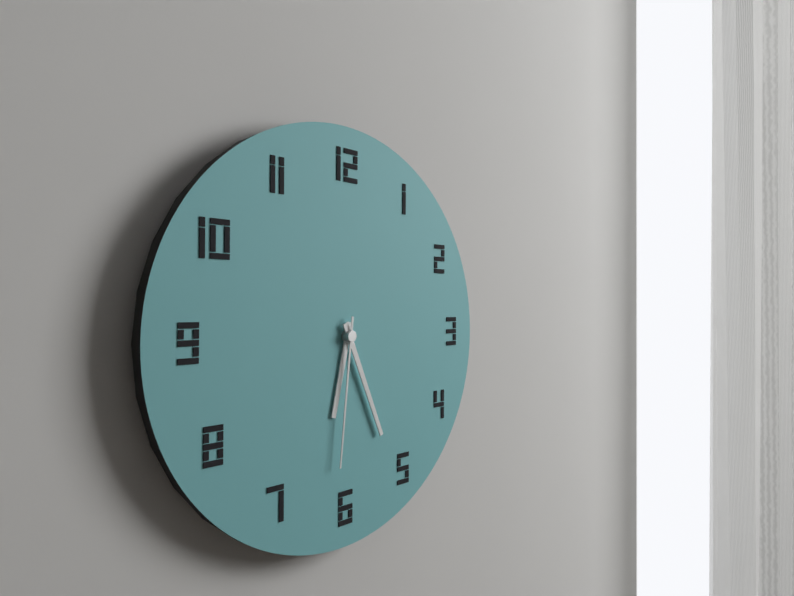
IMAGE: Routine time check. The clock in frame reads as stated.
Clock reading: 6:26:31
